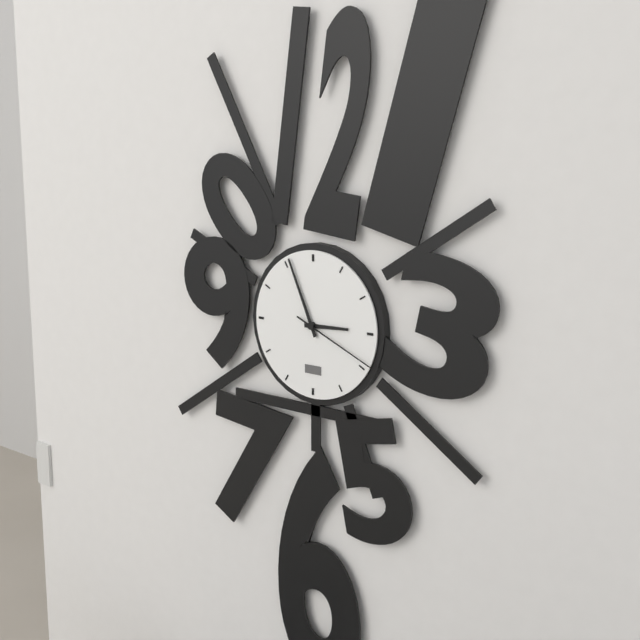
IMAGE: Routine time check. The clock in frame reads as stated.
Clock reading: 2:56:19
